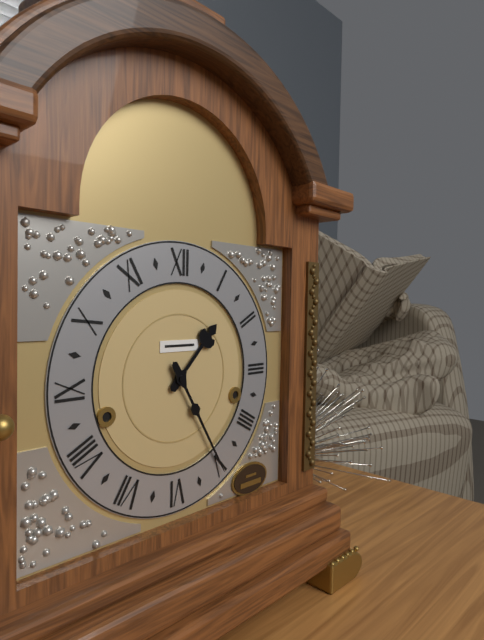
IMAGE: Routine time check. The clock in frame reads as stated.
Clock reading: 1:25
